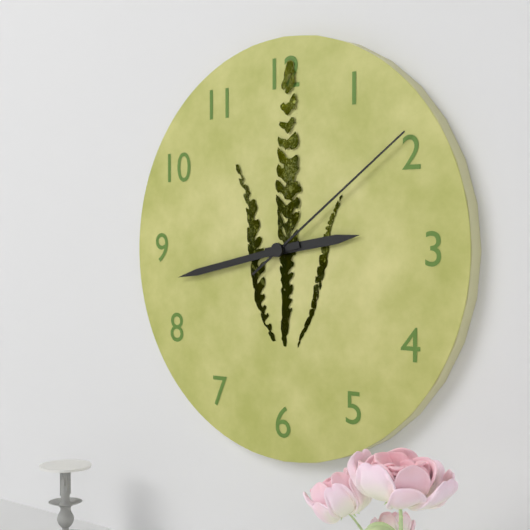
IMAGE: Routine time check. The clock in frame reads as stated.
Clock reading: 2:43:09
